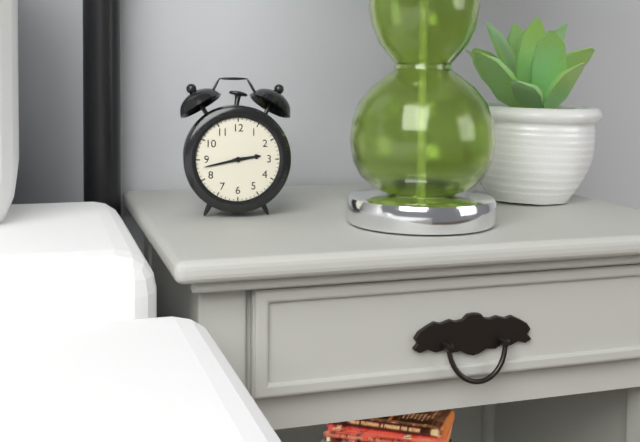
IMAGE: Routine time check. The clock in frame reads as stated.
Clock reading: 2:43
